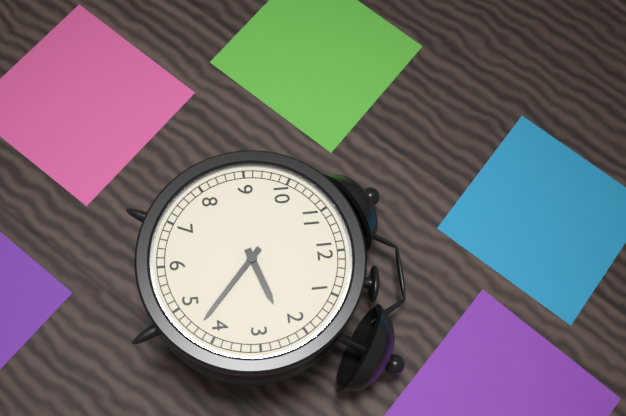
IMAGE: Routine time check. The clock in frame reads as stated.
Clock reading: 2:22
